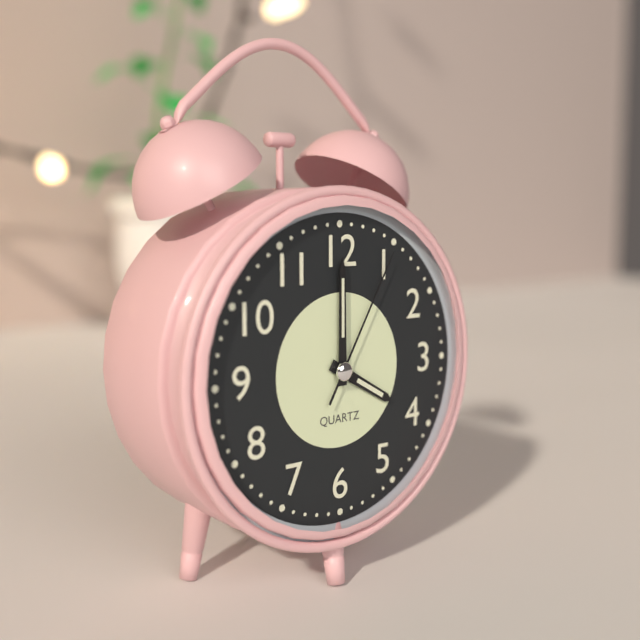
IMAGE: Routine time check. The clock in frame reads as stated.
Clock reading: 4:00:05
